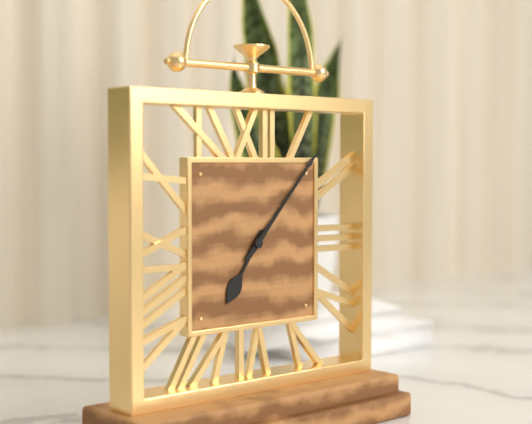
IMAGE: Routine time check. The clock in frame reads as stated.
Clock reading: 7:07
